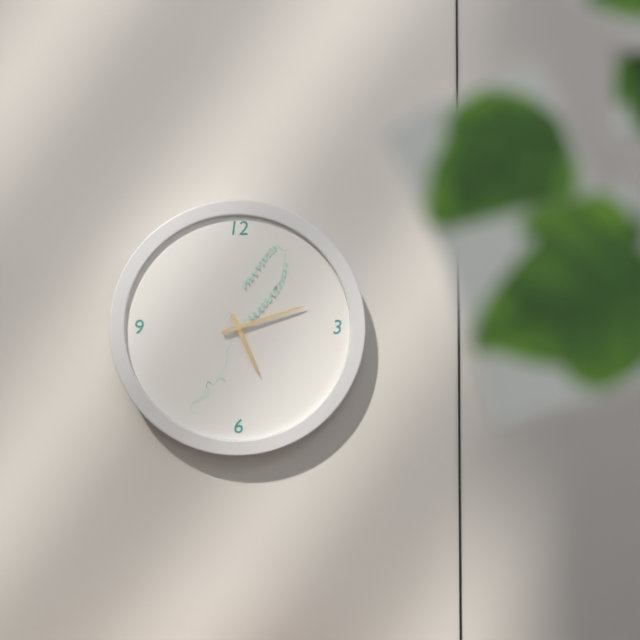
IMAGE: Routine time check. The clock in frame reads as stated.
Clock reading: 5:12
